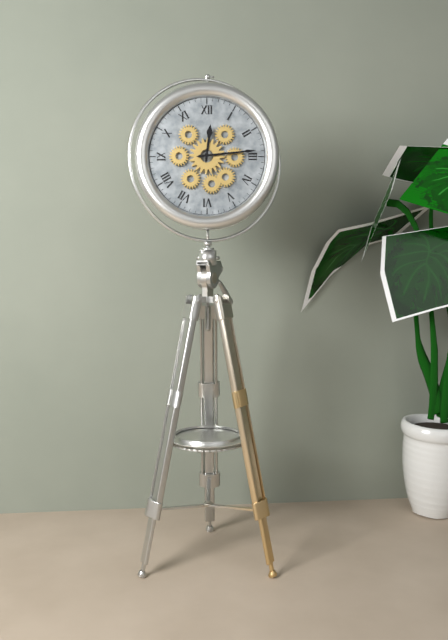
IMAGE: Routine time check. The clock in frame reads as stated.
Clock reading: 12:14
